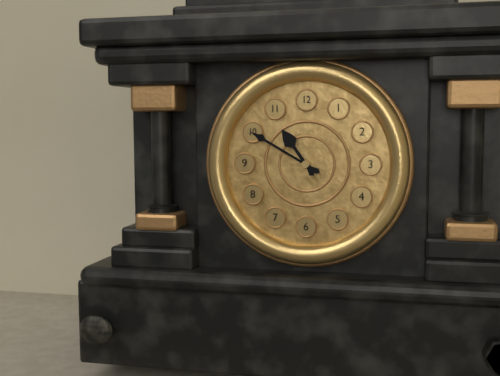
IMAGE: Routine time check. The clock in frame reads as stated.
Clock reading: 10:50
